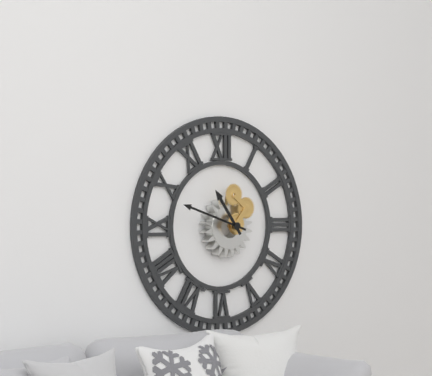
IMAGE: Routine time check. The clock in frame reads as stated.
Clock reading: 10:48
